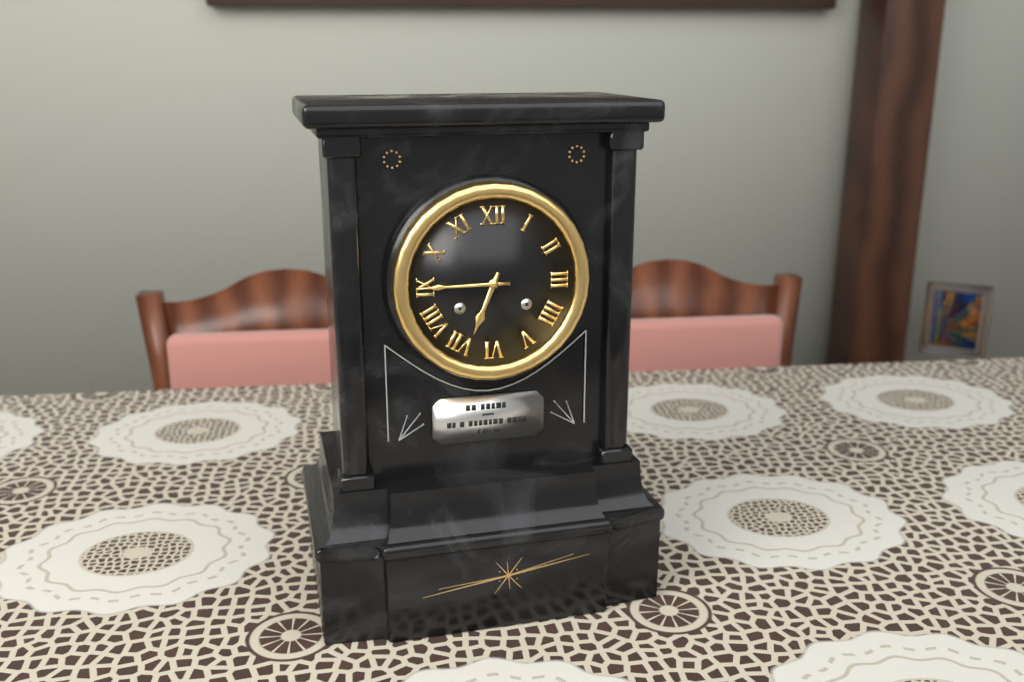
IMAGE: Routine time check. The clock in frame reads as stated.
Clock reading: 6:45
